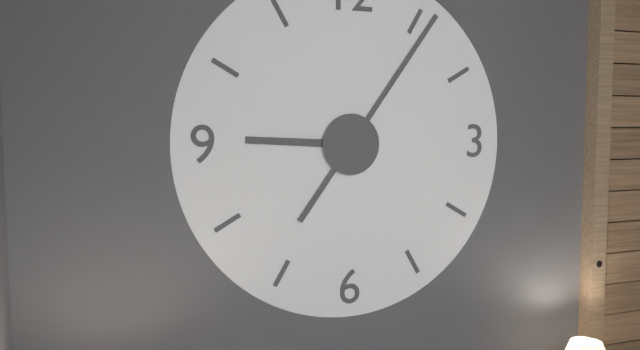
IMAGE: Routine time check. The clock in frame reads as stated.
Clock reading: 9:06
